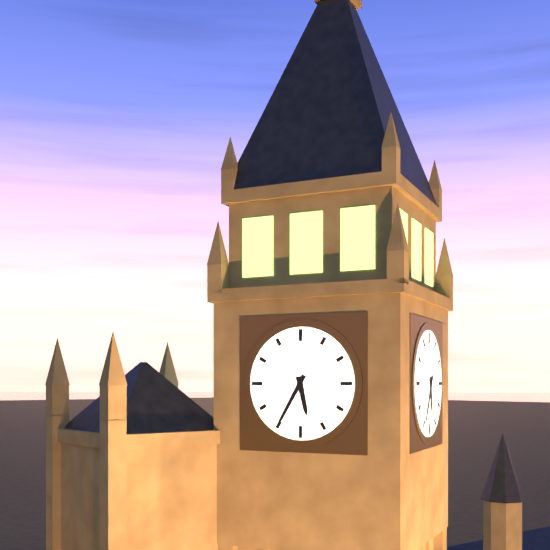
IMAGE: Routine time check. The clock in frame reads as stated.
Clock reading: 5:35
